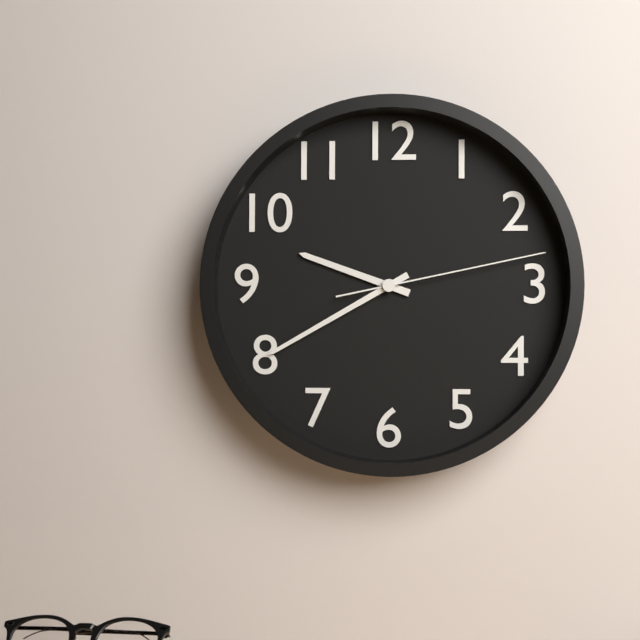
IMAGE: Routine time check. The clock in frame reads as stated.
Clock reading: 9:40:13
